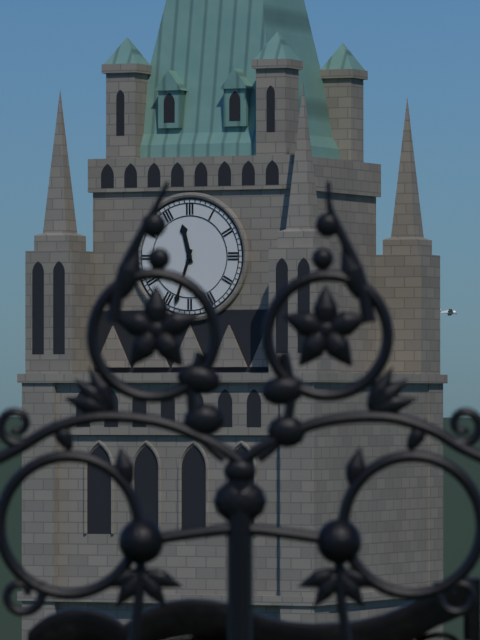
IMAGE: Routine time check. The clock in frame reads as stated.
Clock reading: 11:33
